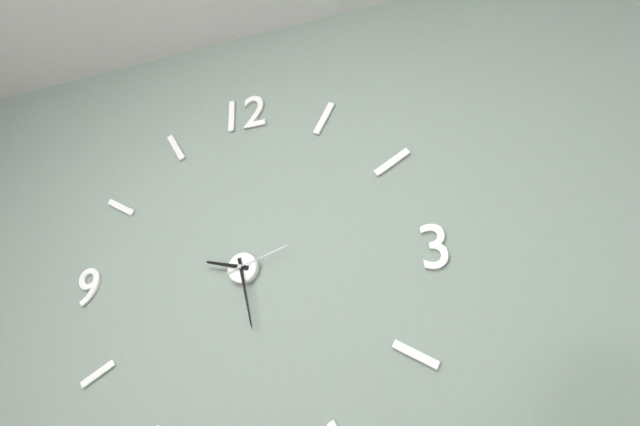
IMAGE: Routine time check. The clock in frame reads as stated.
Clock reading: 9:28:12
